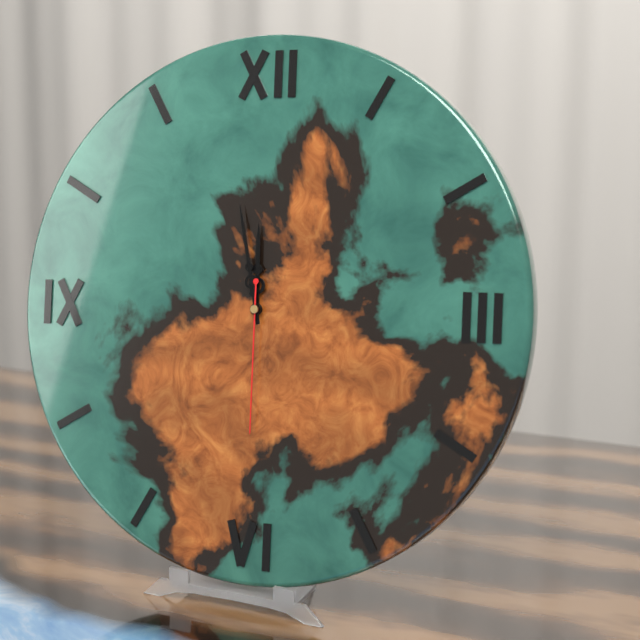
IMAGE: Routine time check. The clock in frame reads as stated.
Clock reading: 11:58:30
